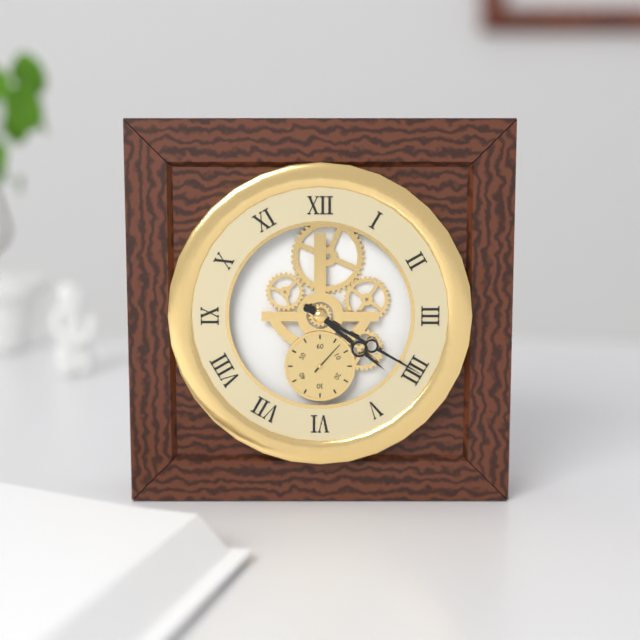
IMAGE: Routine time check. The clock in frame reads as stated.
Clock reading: 4:20
